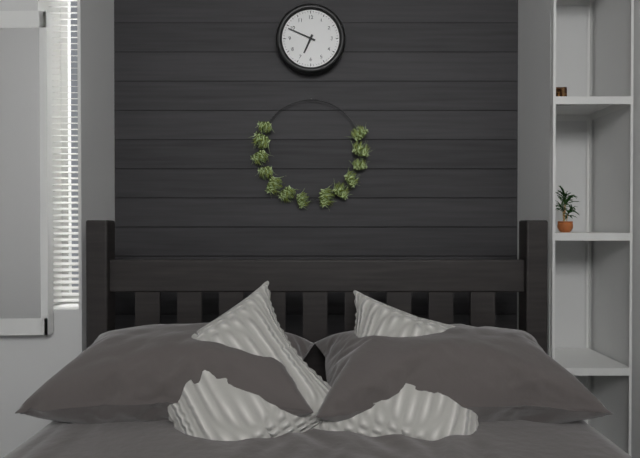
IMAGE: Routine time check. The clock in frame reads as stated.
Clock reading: 6:49
